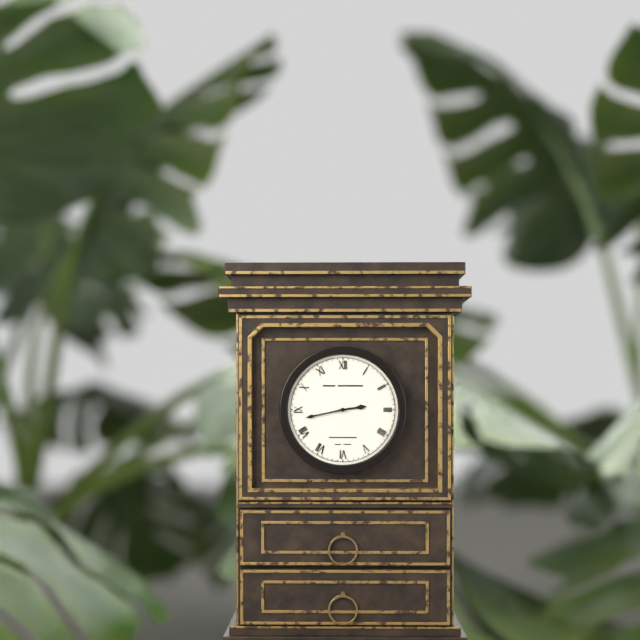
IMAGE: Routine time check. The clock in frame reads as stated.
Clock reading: 2:43
